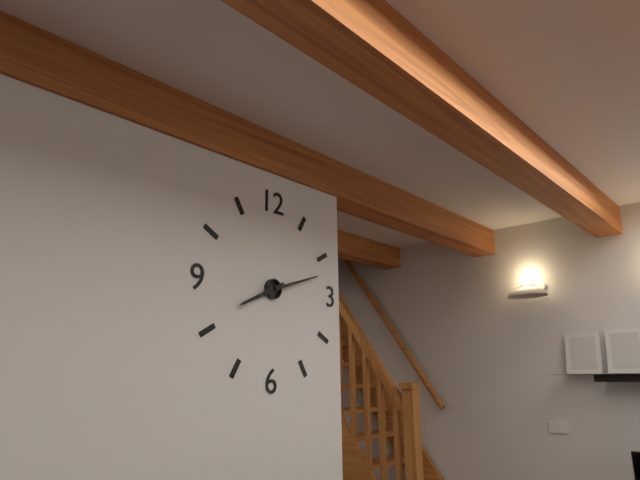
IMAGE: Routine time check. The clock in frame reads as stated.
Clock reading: 8:12
